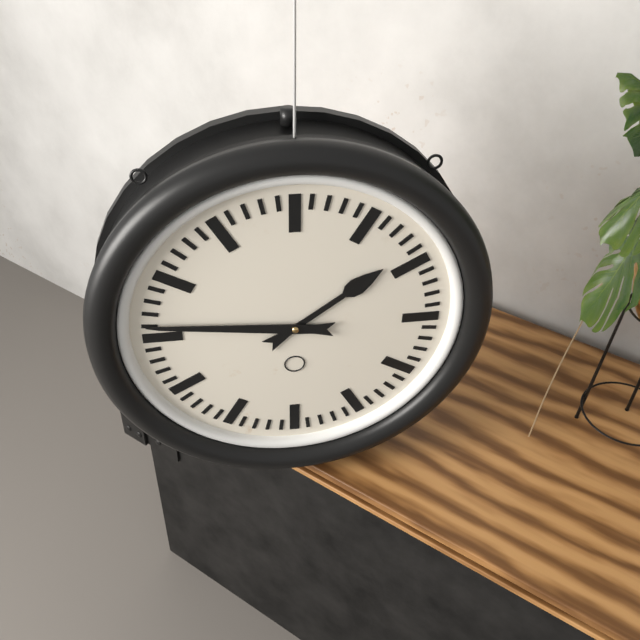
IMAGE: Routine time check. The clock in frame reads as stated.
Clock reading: 1:46
